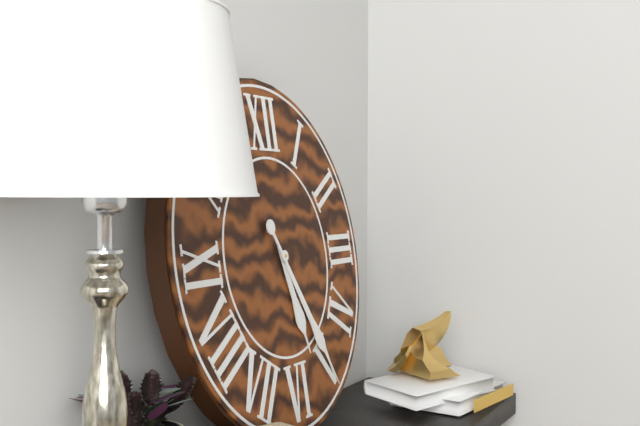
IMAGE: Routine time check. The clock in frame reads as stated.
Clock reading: 5:25
